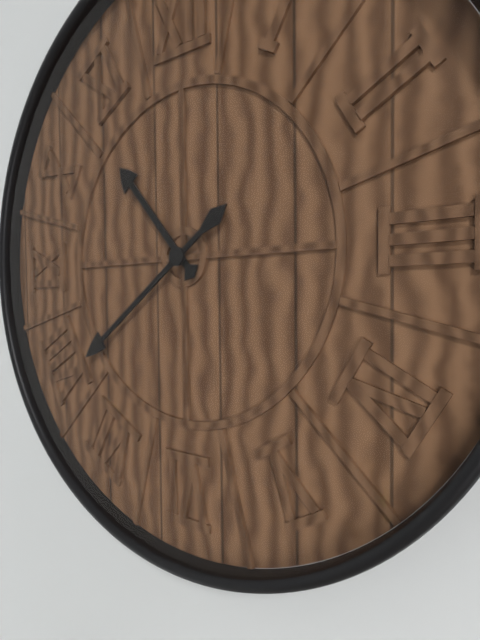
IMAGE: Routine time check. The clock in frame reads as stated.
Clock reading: 10:39
